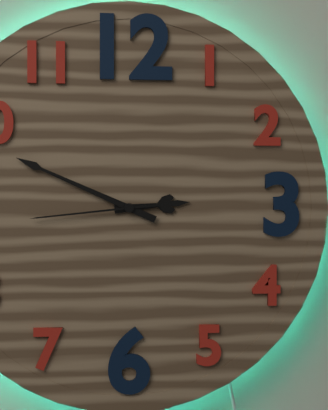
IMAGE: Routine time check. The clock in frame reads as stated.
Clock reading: 2:49:44
